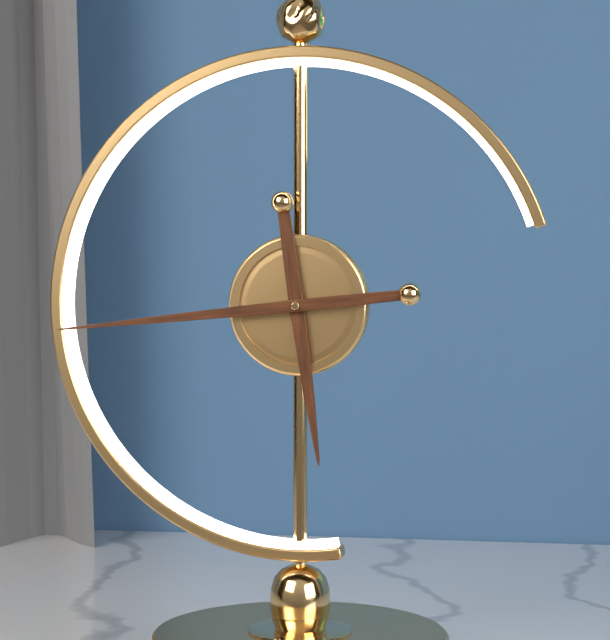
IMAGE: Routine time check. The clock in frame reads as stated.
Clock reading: 5:44
